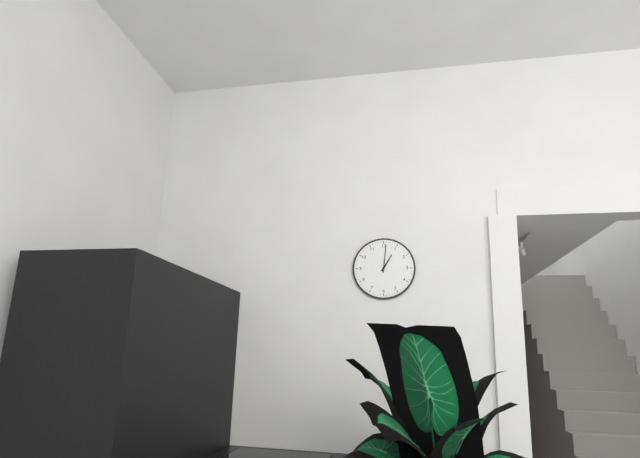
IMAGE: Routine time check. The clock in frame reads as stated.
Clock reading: 1:01
